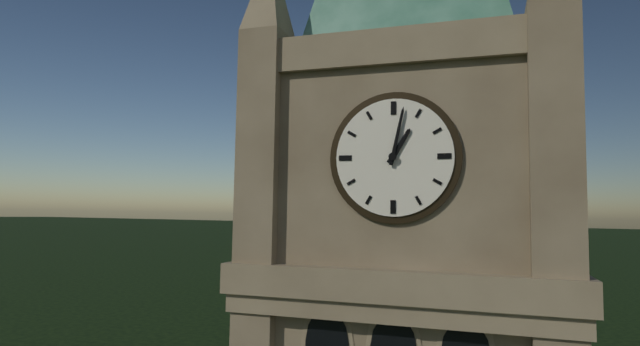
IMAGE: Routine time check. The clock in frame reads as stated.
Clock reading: 1:02
